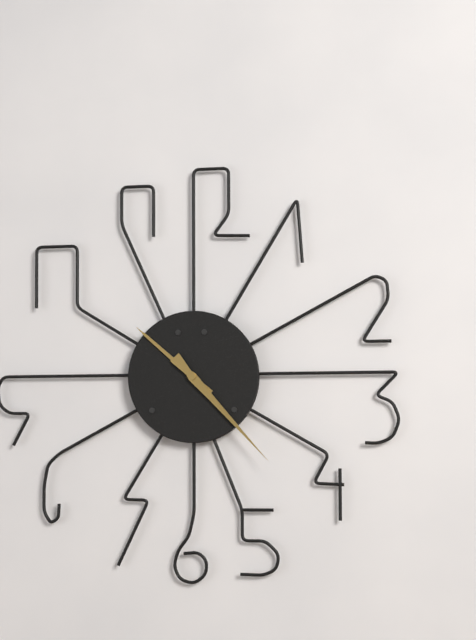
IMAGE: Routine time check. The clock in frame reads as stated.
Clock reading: 10:23
